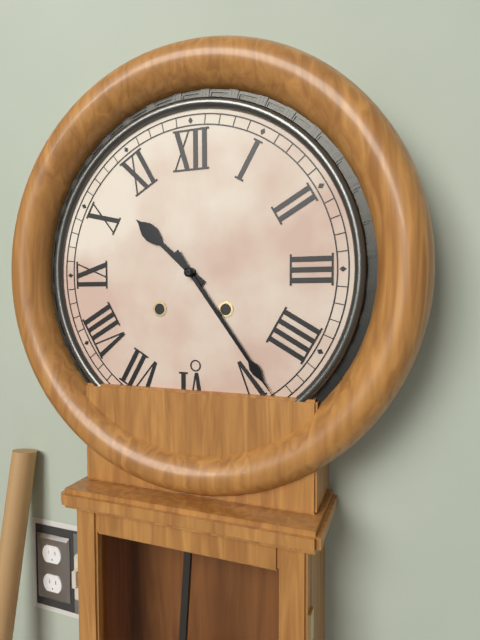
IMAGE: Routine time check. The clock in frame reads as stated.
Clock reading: 10:24
